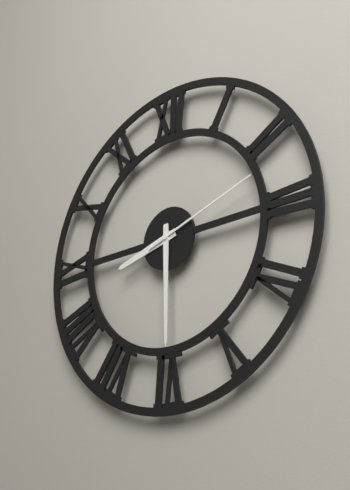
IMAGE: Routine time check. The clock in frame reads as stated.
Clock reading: 8:30:12
